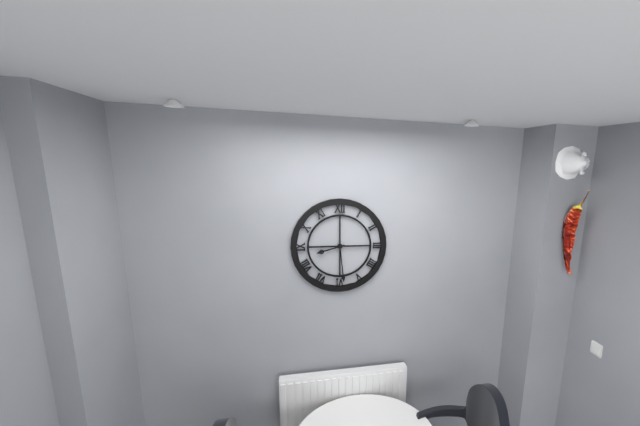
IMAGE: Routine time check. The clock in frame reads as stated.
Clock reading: 8:29
